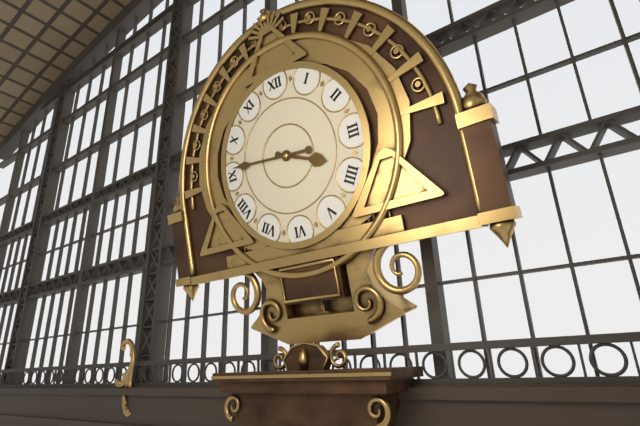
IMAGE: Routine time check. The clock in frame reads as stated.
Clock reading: 3:46
